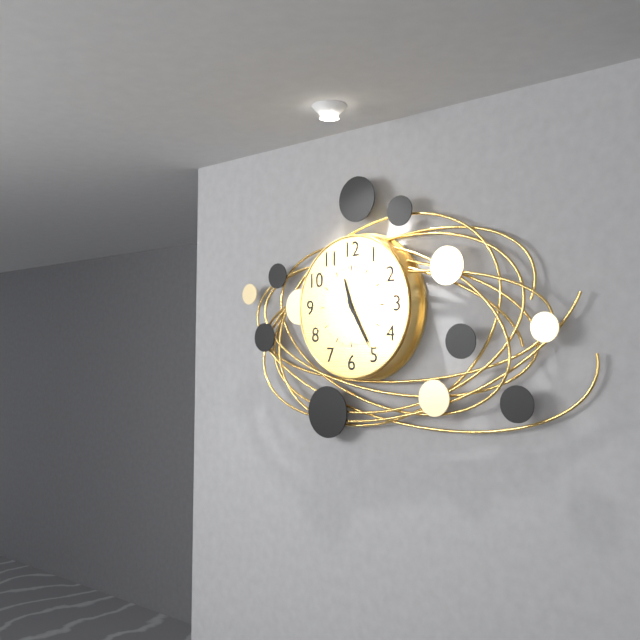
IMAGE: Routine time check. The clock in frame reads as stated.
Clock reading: 11:25
